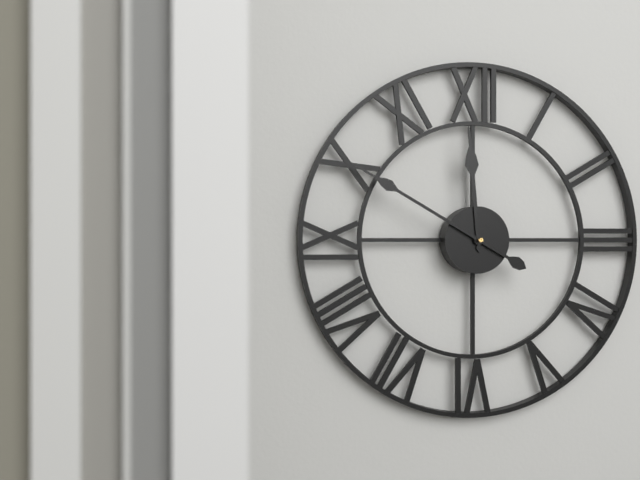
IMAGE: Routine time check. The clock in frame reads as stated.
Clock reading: 11:50
